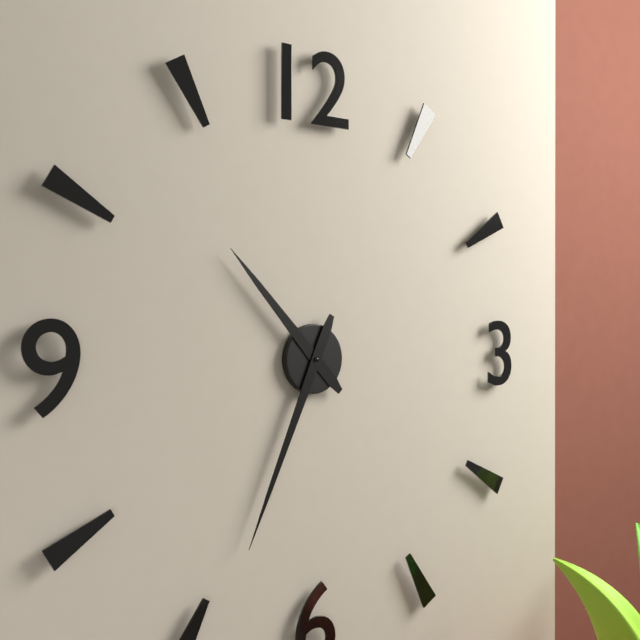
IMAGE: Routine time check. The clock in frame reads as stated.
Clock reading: 10:34
